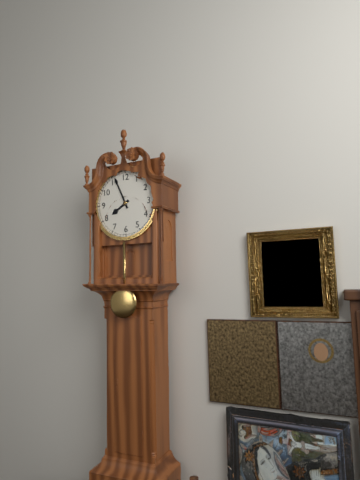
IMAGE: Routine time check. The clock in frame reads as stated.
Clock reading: 7:56
